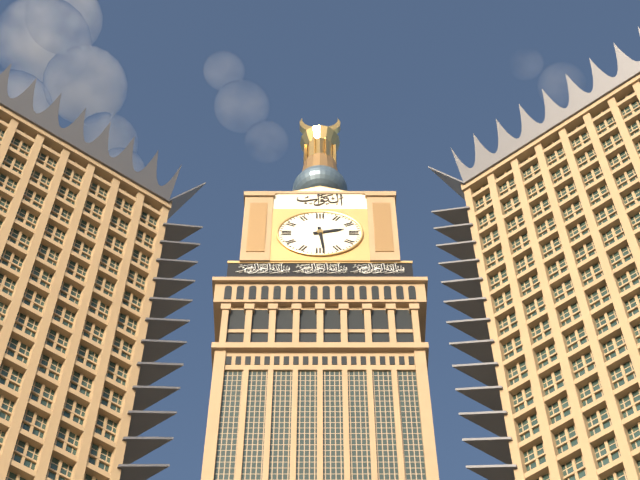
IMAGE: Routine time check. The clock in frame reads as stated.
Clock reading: 2:29
